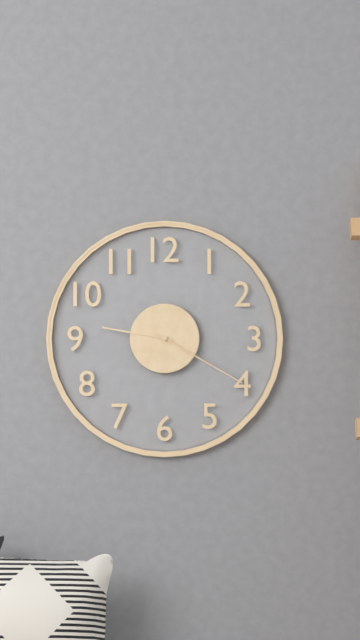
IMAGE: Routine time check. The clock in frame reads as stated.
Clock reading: 9:20:20
